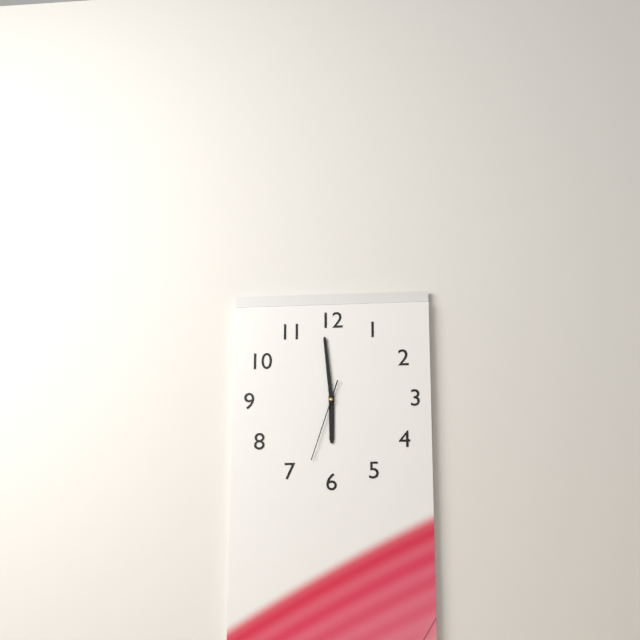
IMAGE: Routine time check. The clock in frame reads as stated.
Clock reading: 5:59:33
